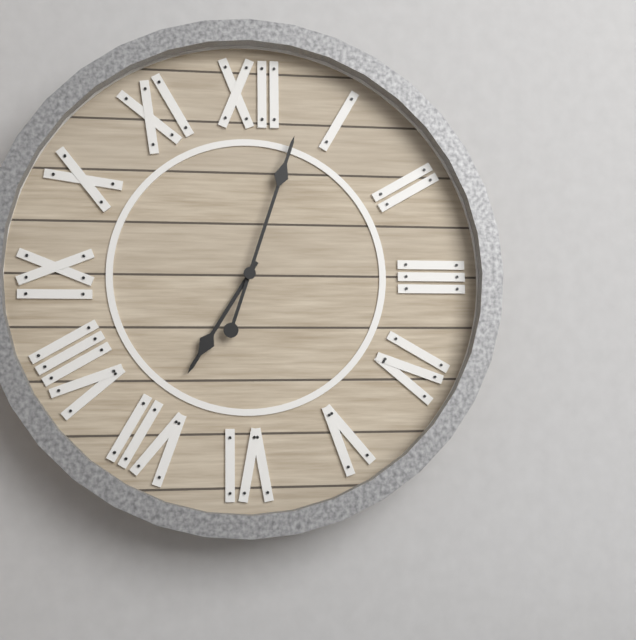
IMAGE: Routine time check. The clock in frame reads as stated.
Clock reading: 7:03
